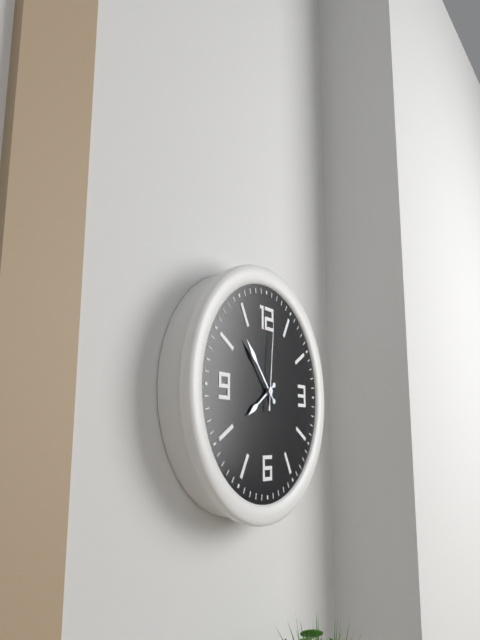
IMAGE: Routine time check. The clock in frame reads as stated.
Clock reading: 7:53:01
